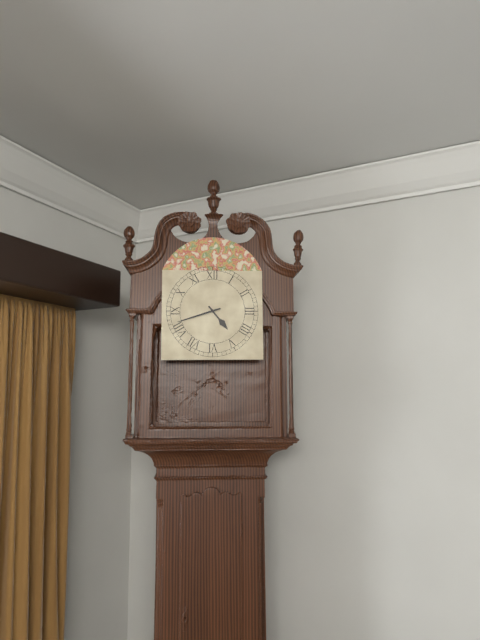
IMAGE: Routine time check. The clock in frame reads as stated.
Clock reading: 4:42
